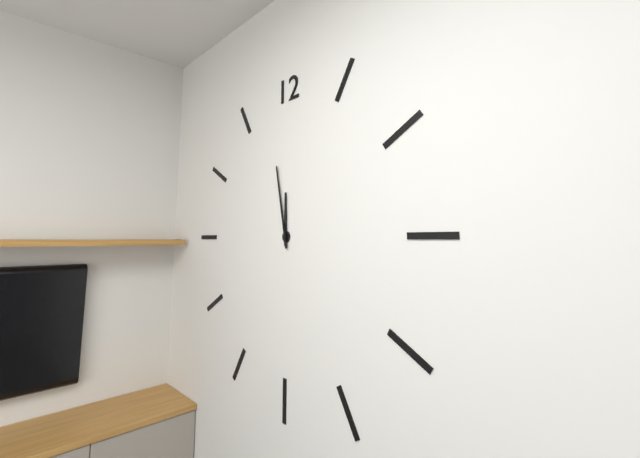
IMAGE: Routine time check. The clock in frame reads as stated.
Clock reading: 11:58
